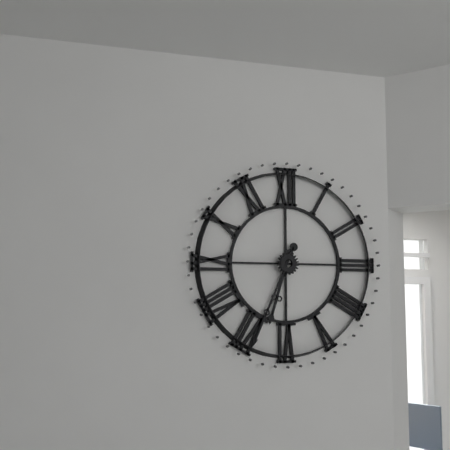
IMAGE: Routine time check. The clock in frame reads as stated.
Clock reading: 6:34
